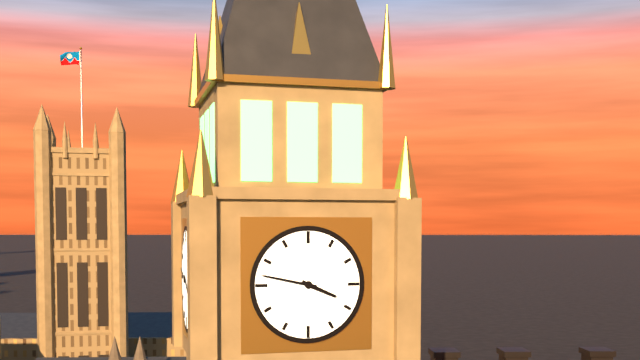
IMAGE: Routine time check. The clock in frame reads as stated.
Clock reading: 3:47
